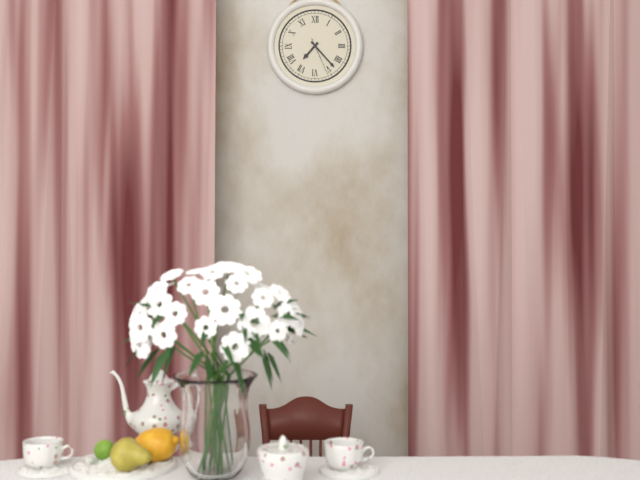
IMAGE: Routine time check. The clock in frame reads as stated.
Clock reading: 7:23
